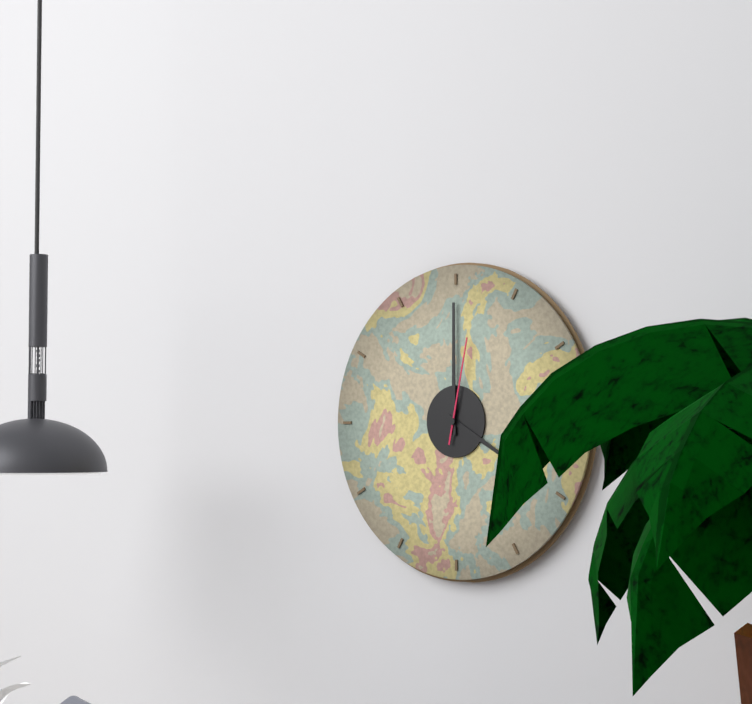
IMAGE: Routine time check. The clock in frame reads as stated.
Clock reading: 4:00:02
